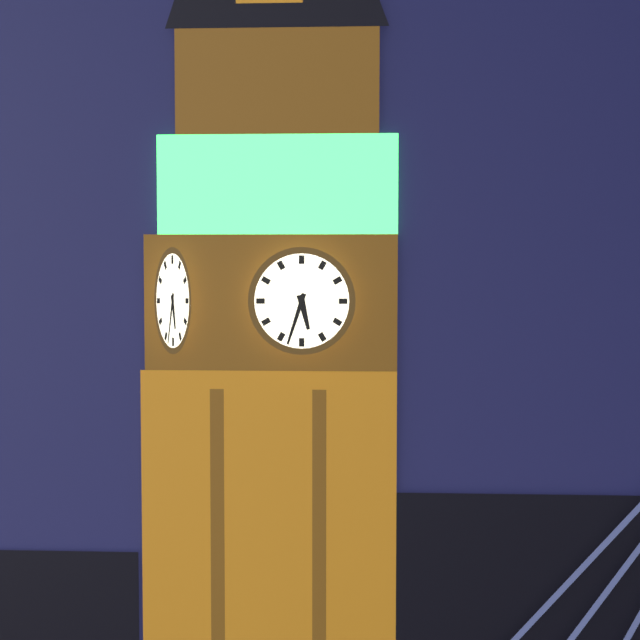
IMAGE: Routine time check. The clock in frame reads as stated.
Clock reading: 5:33
